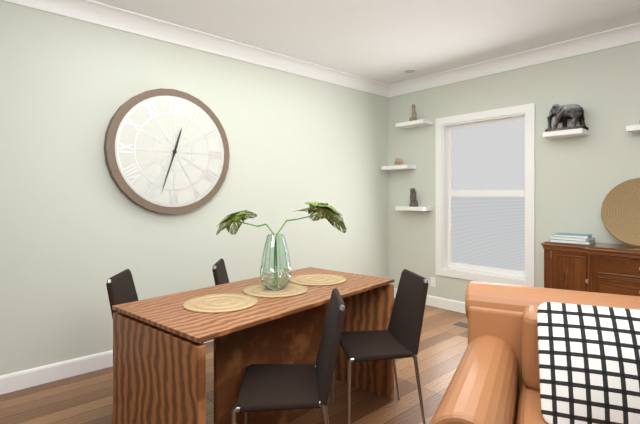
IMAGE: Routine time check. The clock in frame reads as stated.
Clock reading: 12:33
